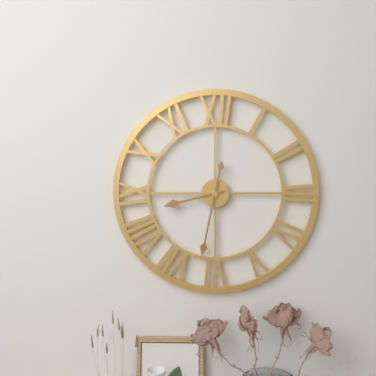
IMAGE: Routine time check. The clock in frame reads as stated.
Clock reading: 8:32
